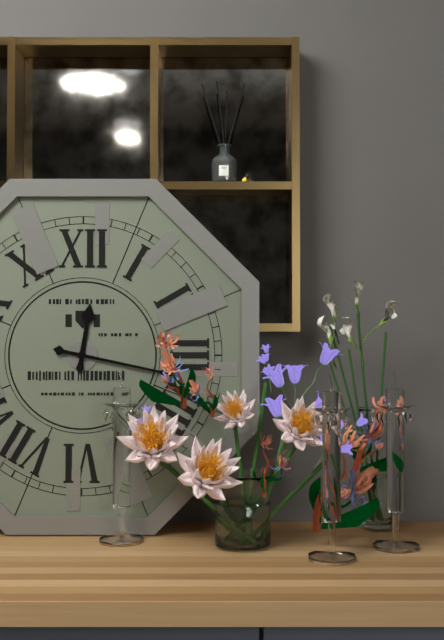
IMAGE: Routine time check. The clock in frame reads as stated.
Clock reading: 12:17
